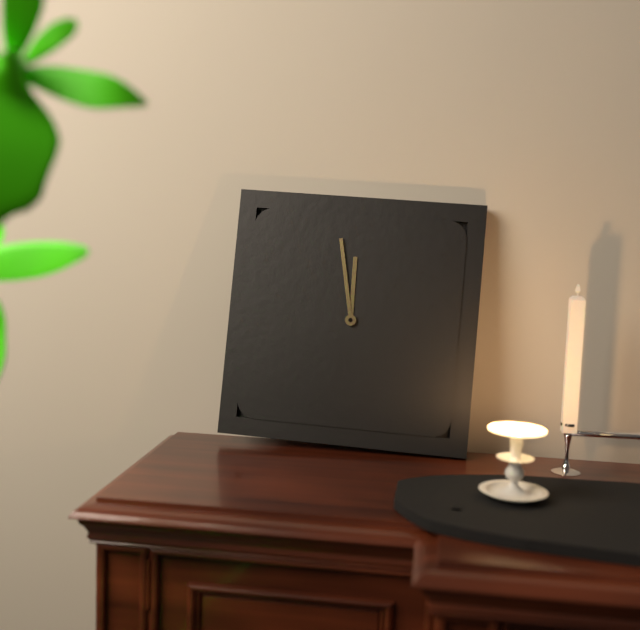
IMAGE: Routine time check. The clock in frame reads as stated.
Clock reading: 11:58
